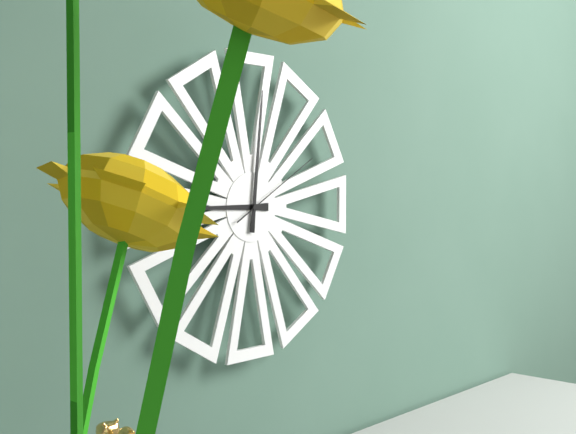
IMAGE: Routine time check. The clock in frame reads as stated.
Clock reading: 9:01:10
